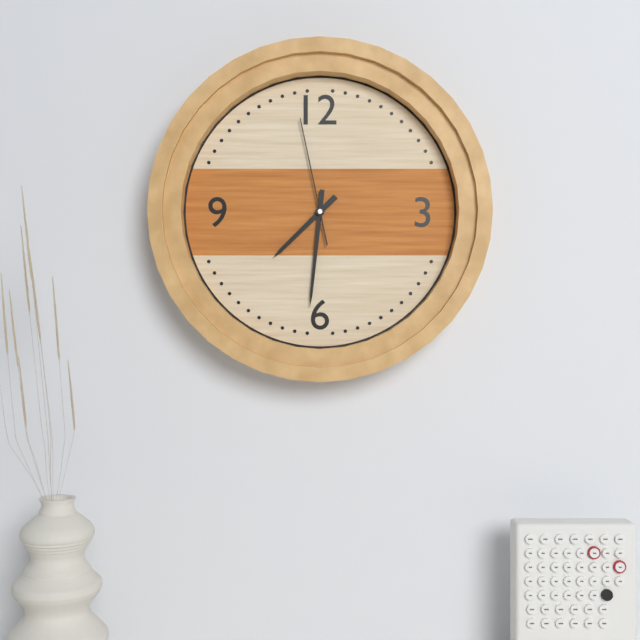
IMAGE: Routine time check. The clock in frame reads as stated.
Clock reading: 7:31:58
